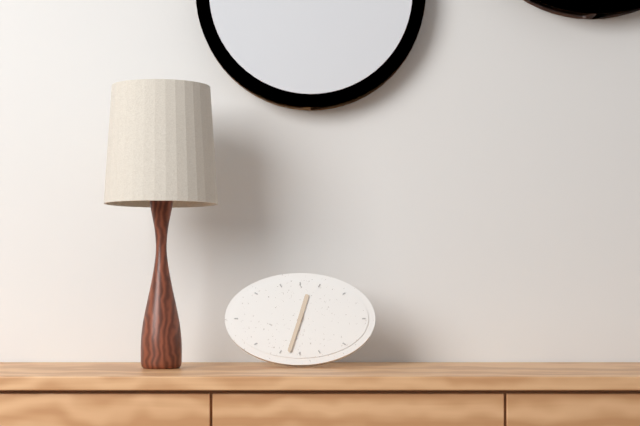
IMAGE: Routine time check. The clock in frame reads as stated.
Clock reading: 12:33
